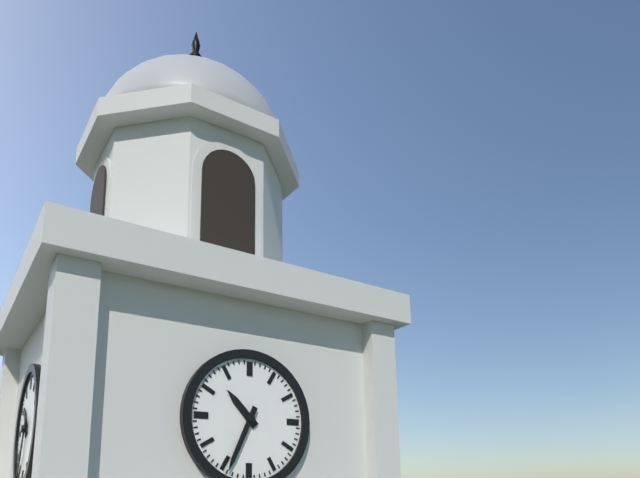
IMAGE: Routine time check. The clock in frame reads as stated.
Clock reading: 10:34
